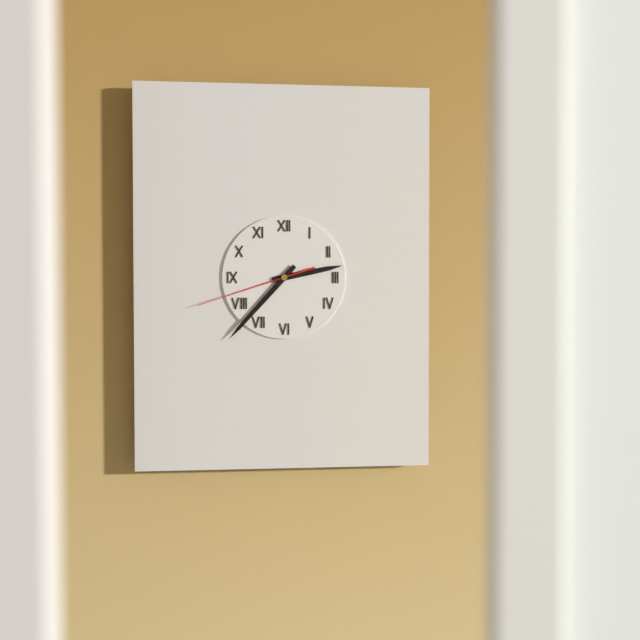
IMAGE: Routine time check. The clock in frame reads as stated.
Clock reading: 2:37:42
